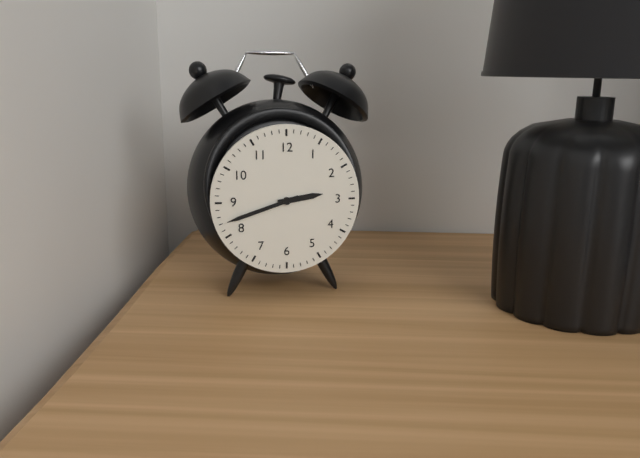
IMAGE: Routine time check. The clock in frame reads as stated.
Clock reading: 2:42
